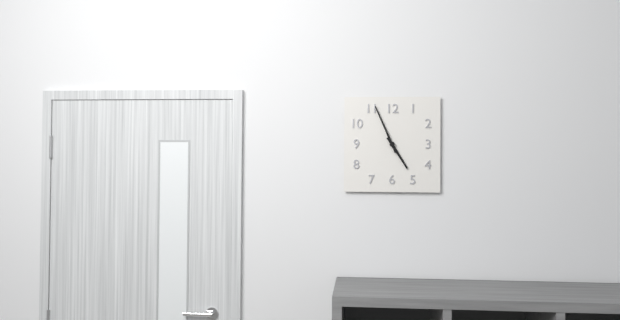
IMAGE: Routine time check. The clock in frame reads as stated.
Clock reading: 4:56
